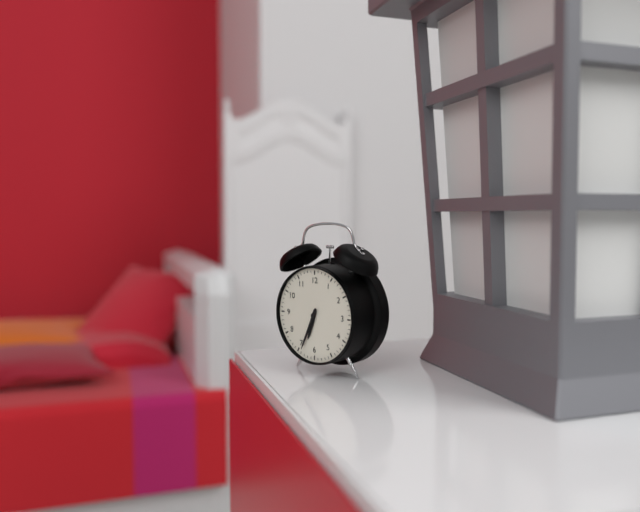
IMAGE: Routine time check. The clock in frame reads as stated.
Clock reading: 6:34
